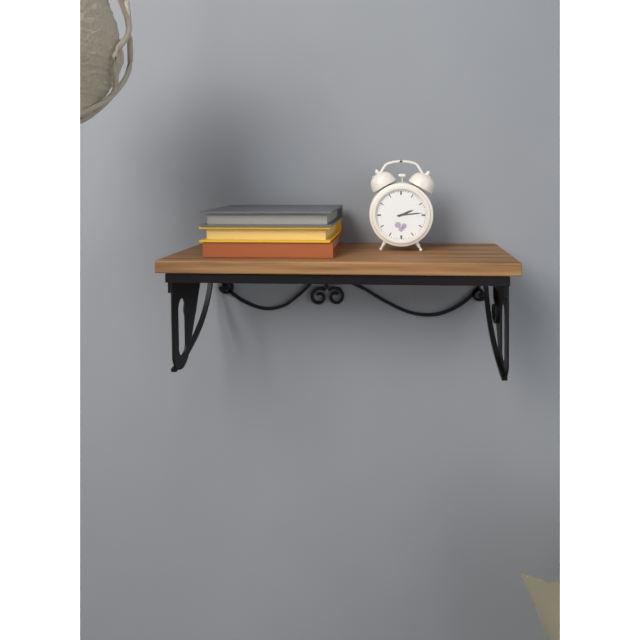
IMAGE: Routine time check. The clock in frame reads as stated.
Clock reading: 2:14
